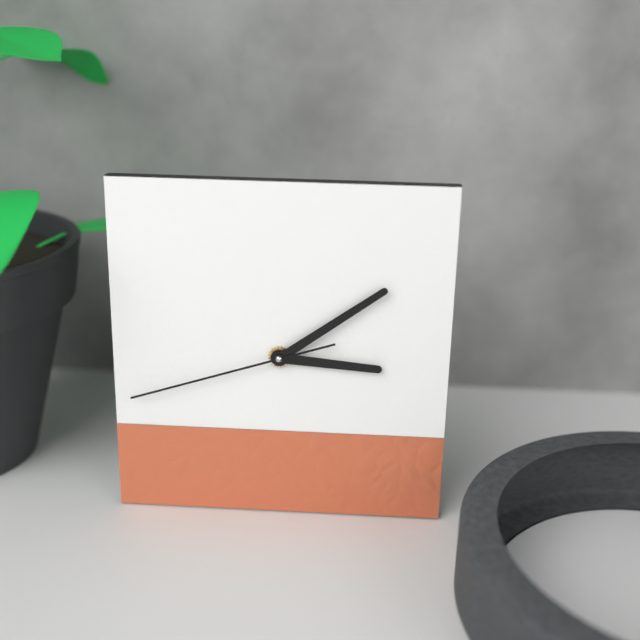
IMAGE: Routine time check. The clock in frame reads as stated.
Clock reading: 3:09:42
